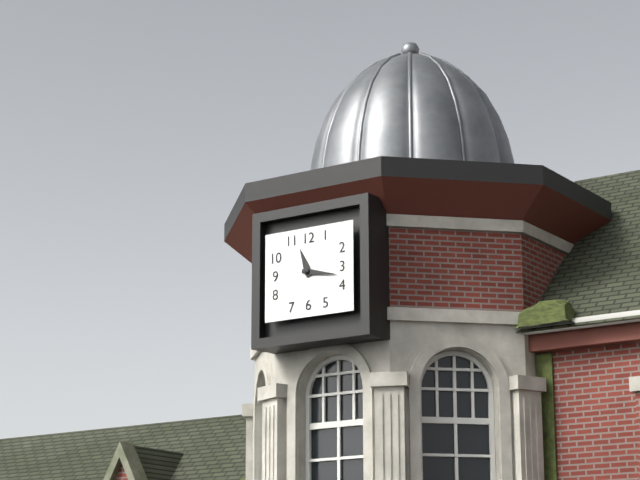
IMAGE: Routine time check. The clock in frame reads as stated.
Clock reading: 11:17
